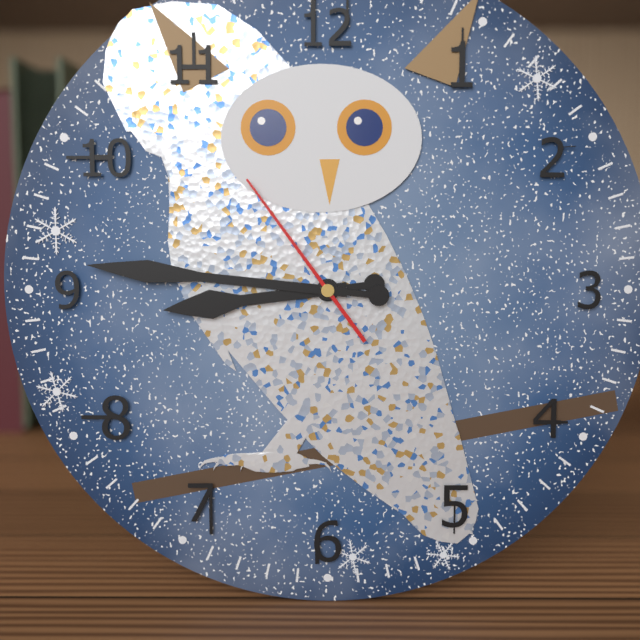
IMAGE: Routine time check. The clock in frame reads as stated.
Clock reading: 8:46:54
